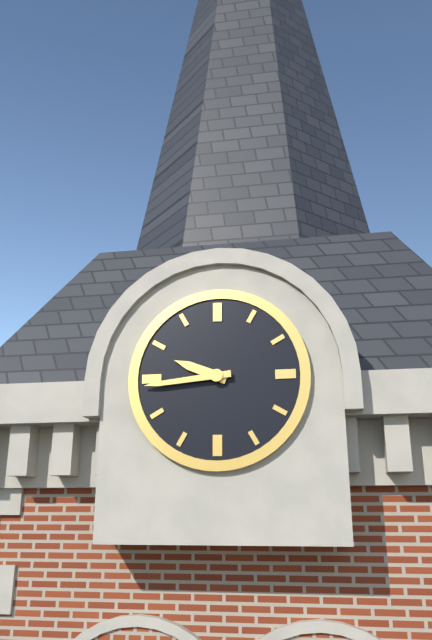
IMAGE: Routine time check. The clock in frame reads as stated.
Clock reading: 9:44
